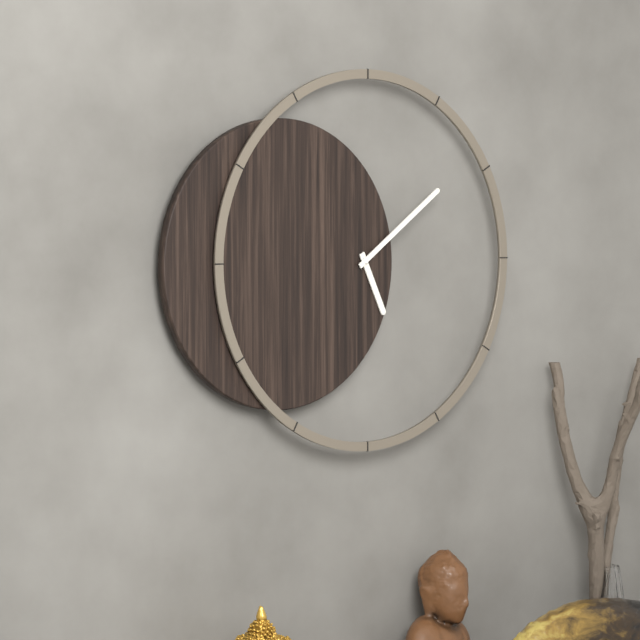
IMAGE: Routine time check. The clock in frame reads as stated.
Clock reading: 5:09
